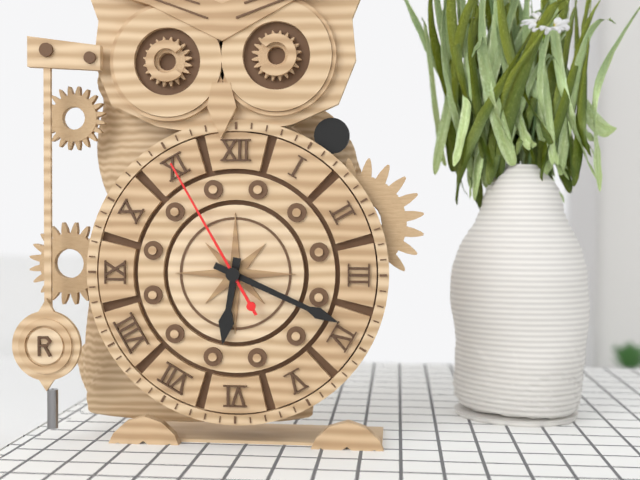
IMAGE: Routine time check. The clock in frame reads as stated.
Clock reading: 6:19:55
